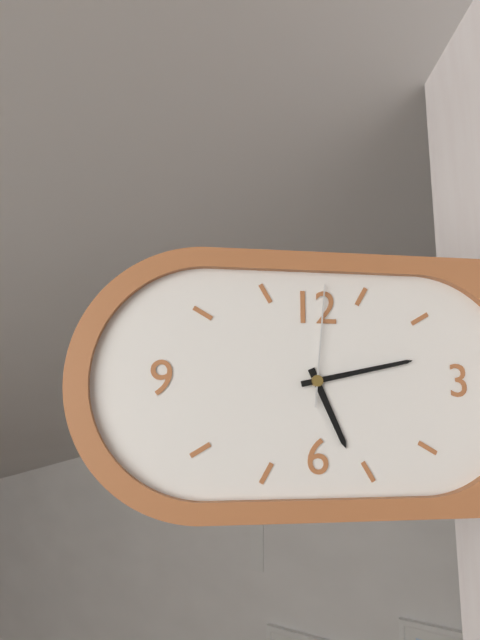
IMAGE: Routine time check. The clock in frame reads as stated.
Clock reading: 5:13:01
